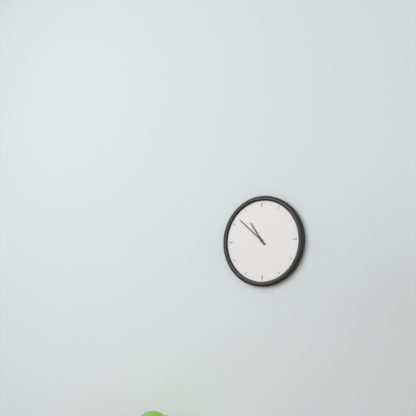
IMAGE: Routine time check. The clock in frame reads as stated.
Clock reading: 10:52
